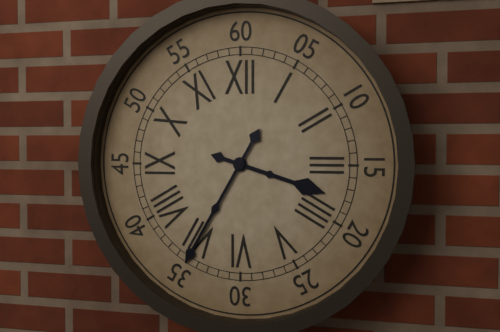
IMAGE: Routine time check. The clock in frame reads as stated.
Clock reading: 3:35
